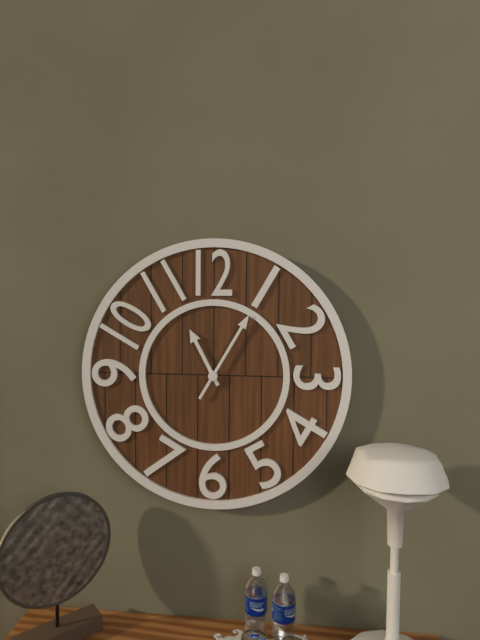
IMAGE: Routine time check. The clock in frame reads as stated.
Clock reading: 11:05
